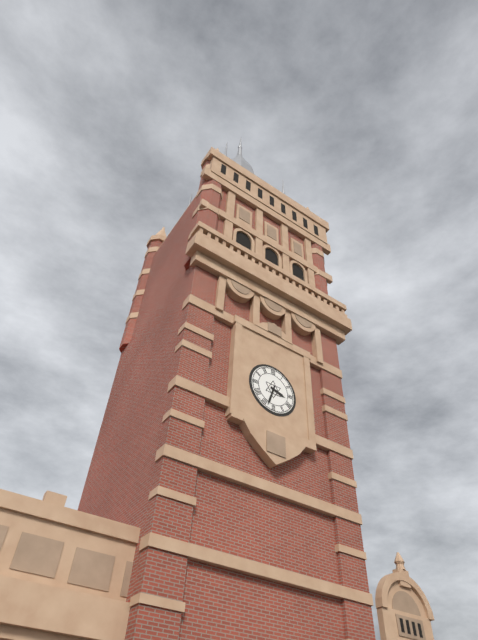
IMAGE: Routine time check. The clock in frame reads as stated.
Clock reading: 3:33
